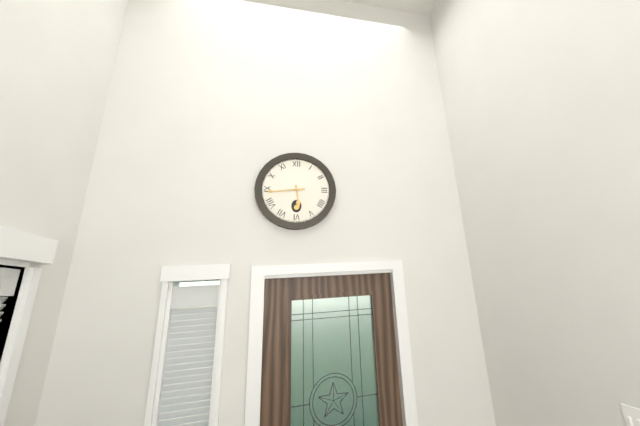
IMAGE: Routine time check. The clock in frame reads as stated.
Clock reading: 5:44
